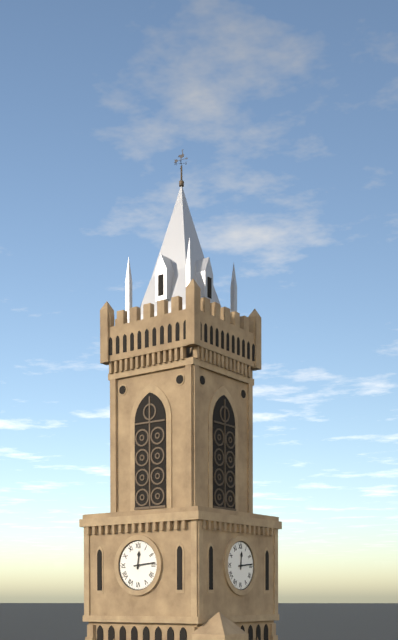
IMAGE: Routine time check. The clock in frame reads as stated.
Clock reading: 12:14
